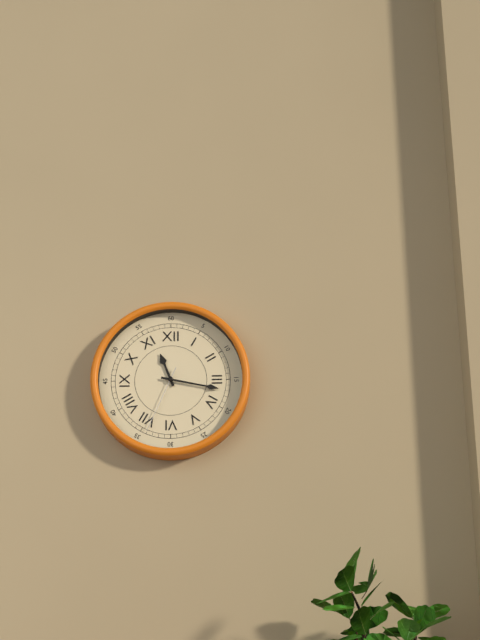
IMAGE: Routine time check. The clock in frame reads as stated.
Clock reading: 11:17:34
